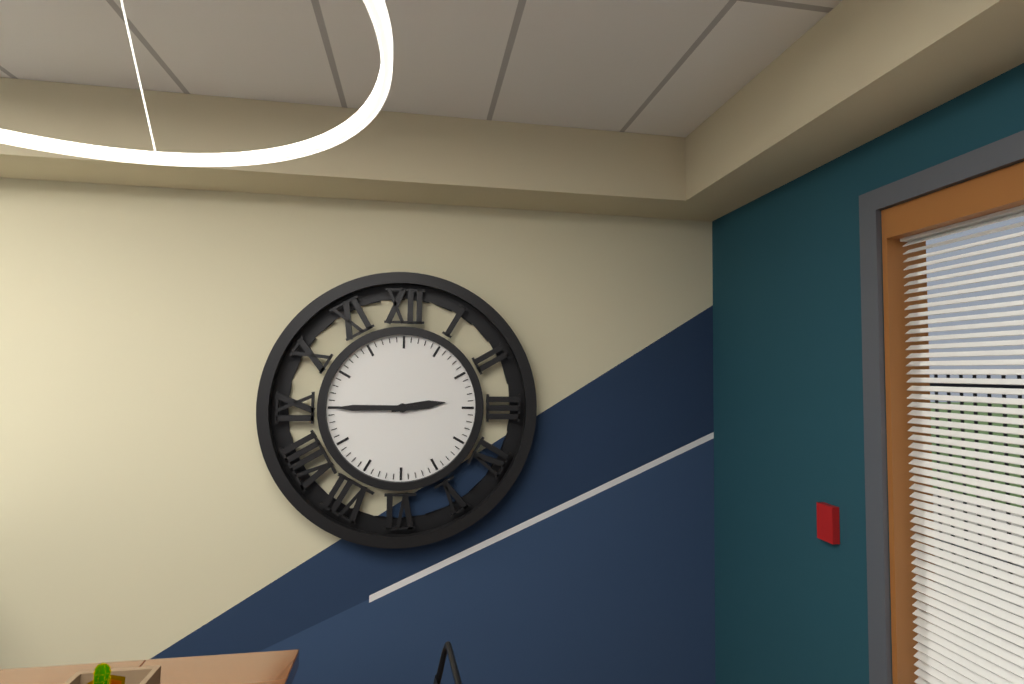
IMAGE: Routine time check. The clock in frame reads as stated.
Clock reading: 2:45
